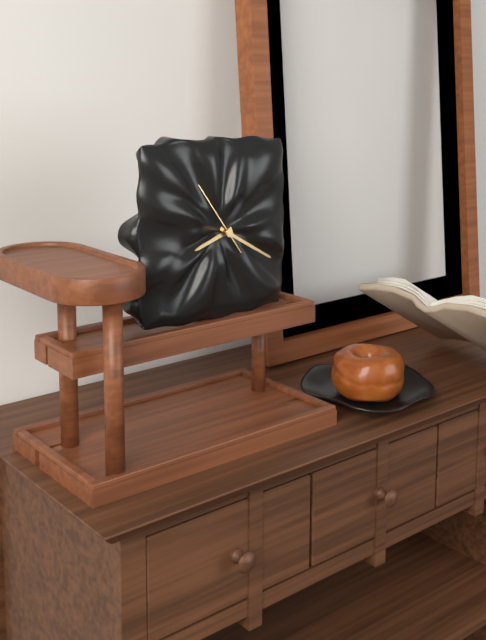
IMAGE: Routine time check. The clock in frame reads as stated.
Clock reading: 8:20:54
